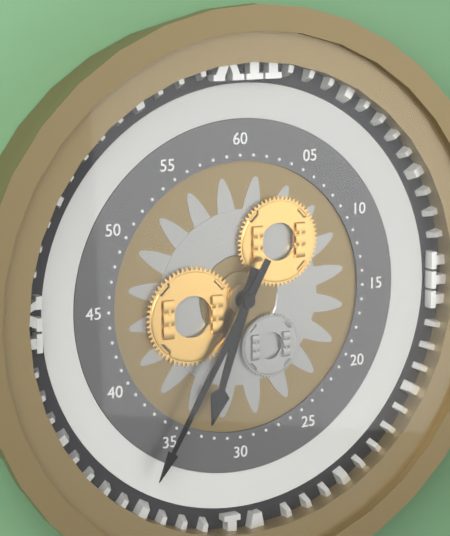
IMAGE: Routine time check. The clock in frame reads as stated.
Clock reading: 6:35
